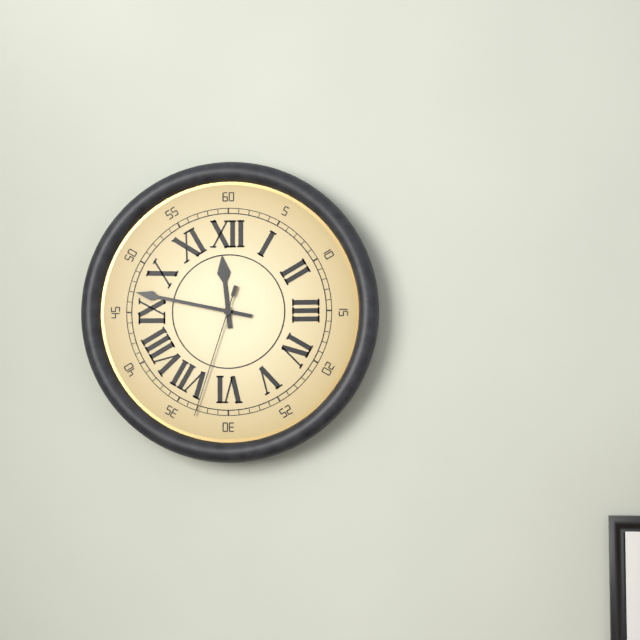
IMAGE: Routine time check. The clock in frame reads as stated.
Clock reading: 11:47:33
